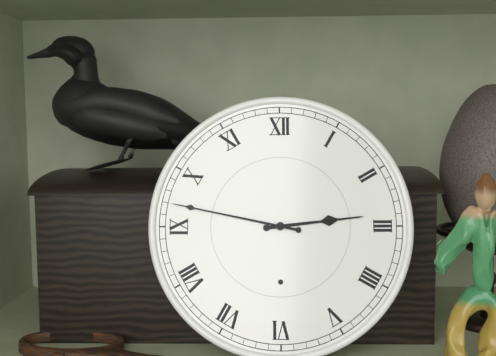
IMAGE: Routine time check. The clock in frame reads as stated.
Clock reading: 2:47
